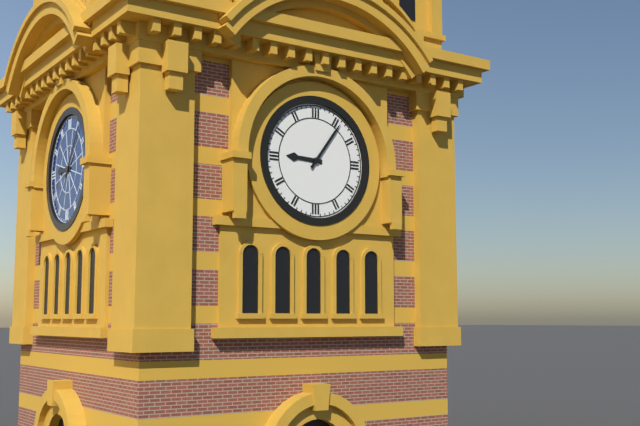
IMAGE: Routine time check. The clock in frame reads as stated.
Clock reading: 9:06
